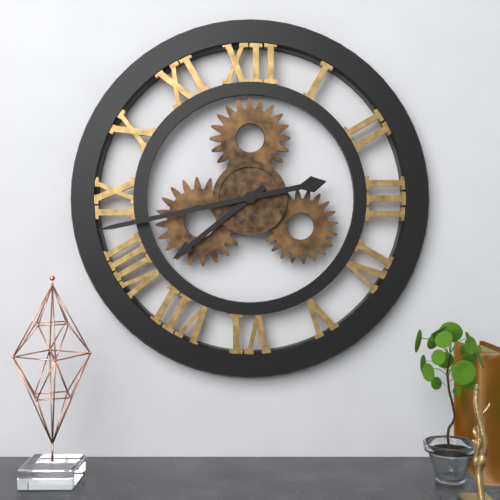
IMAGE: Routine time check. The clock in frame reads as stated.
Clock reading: 7:43
